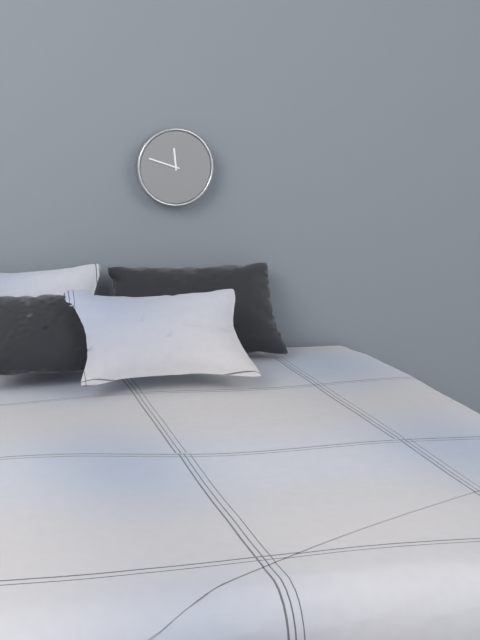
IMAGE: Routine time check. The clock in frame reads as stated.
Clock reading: 11:48
